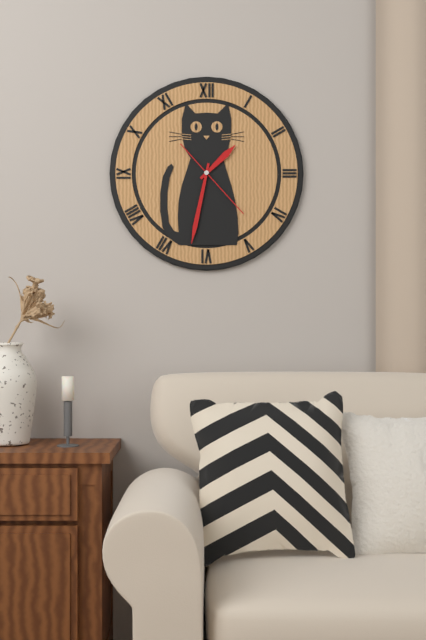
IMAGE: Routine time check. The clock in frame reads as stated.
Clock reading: 1:32:23
